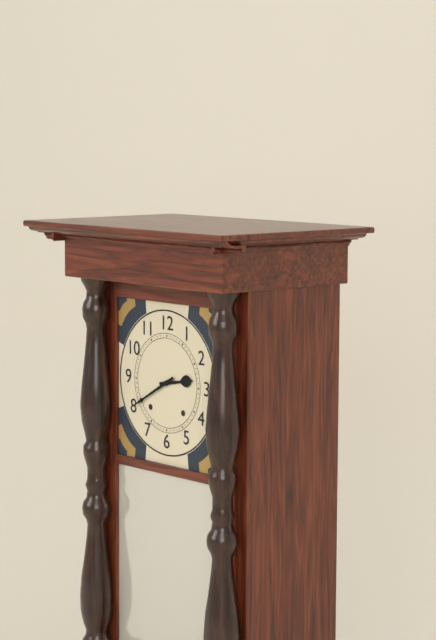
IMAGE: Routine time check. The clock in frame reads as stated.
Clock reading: 2:40
